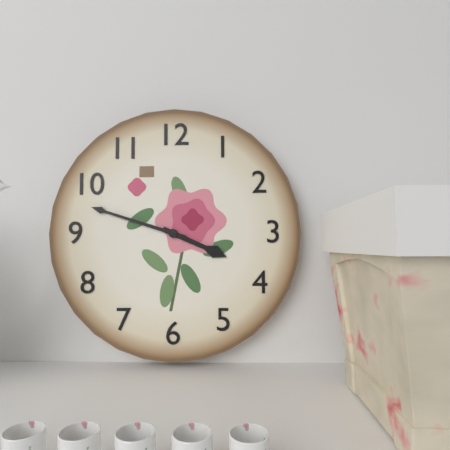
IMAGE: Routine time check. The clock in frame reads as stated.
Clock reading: 3:48
